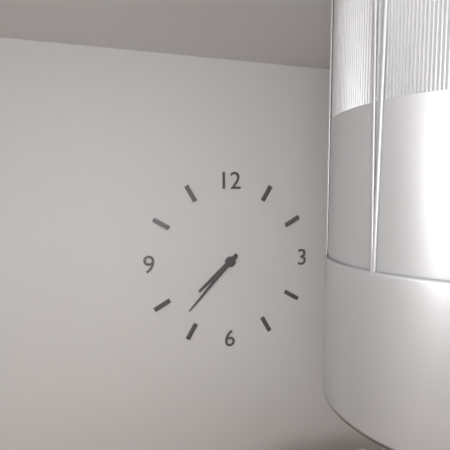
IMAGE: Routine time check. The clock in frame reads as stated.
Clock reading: 7:37
